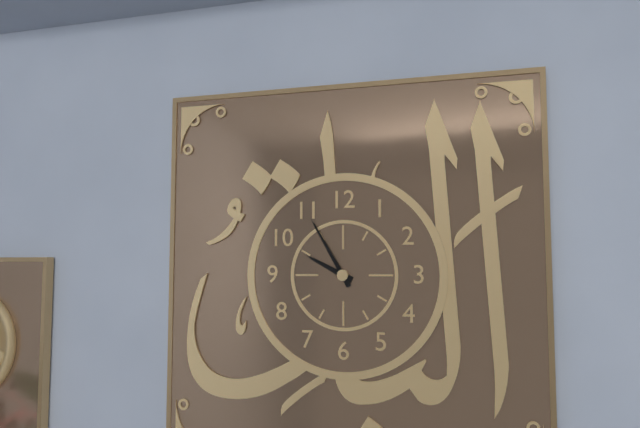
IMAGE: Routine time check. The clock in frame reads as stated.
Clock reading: 9:55
